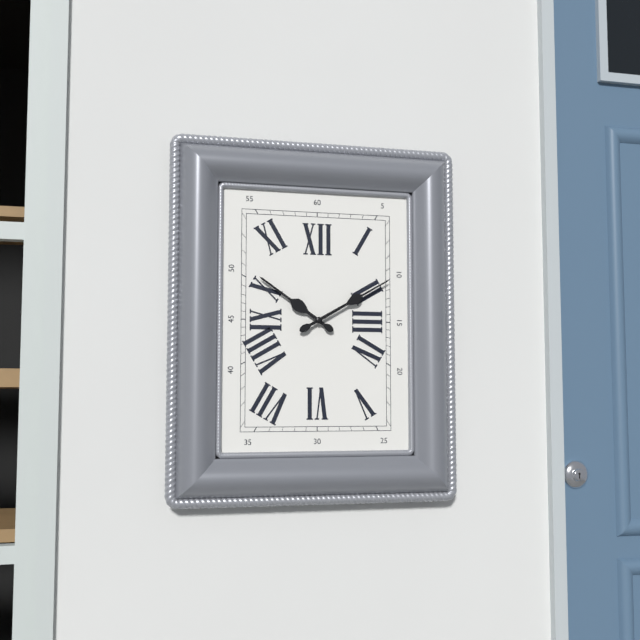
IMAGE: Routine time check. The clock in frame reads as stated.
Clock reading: 10:10
